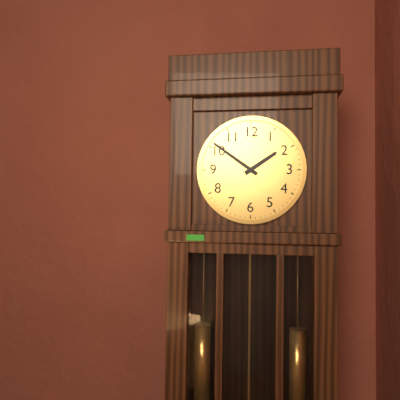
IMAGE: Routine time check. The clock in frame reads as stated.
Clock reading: 1:51
